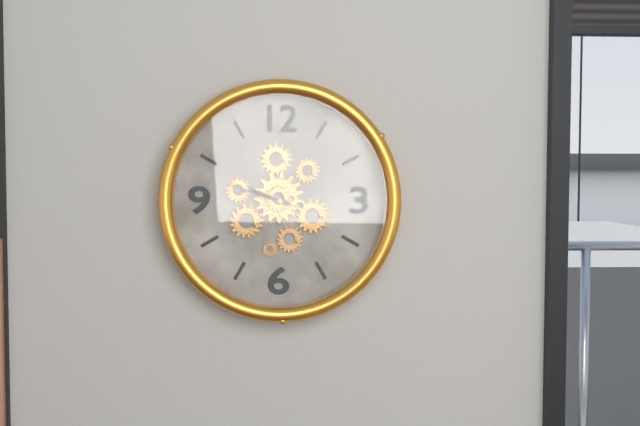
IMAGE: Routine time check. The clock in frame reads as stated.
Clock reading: 9:48
